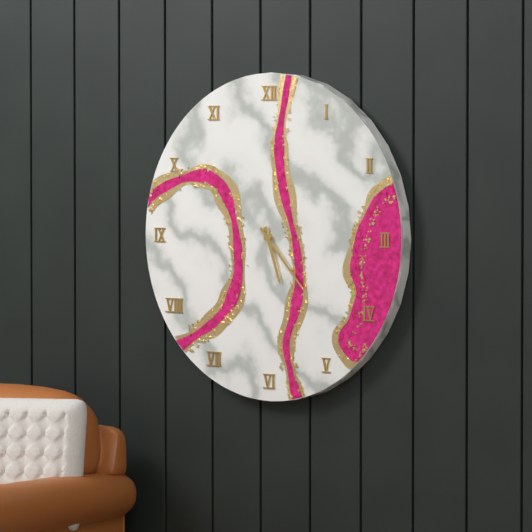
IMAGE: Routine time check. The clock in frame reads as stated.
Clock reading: 5:23
